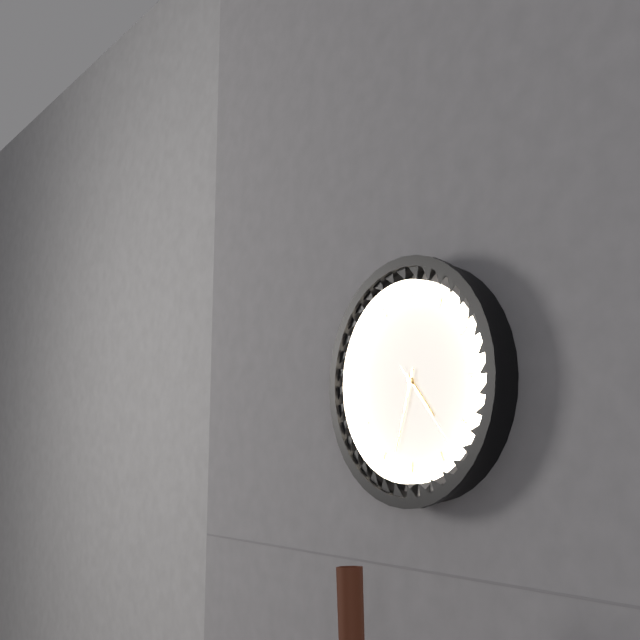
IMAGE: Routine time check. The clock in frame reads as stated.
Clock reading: 4:33:23
